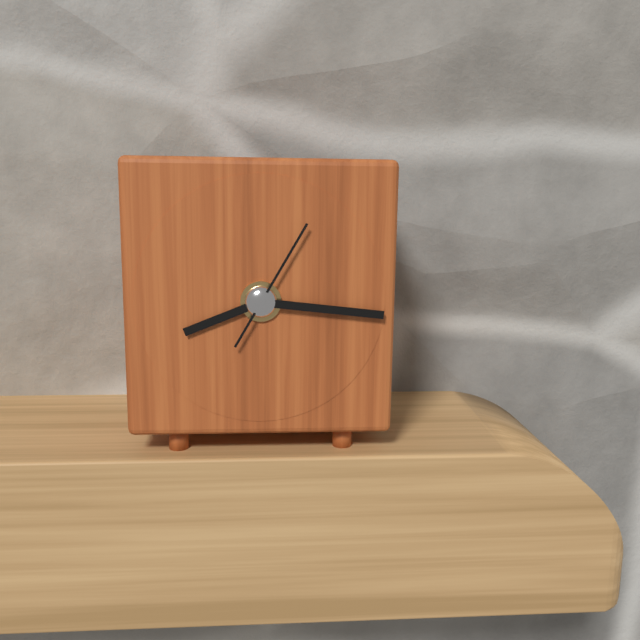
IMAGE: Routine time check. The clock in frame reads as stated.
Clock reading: 8:16:05
